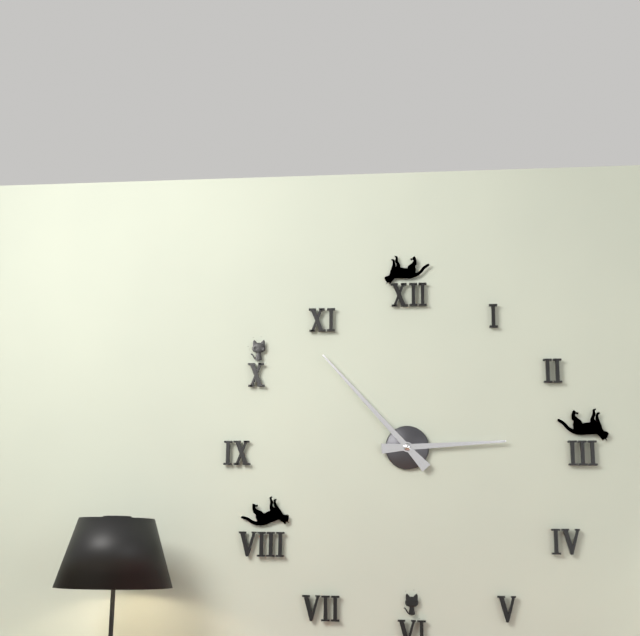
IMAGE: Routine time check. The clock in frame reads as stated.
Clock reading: 2:53
